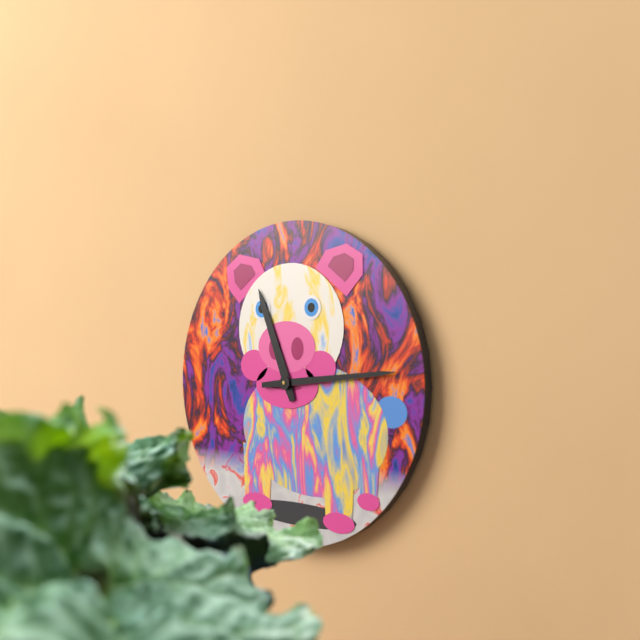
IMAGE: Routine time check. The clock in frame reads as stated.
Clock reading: 11:14
